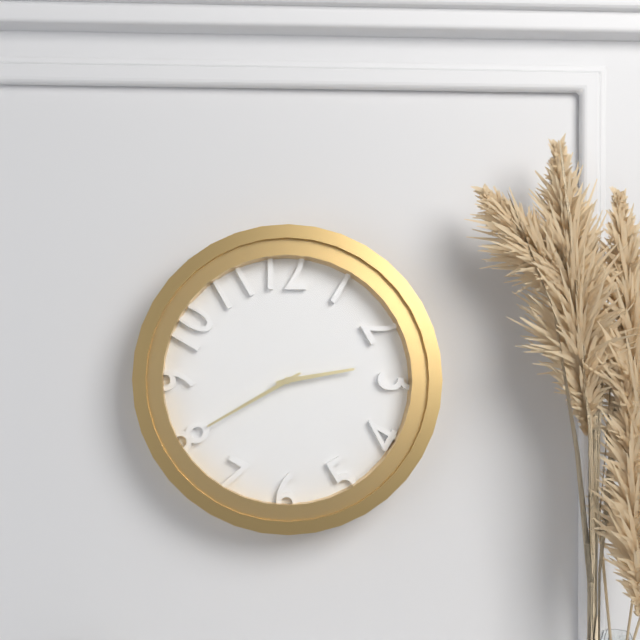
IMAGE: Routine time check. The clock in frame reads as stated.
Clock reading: 2:40
